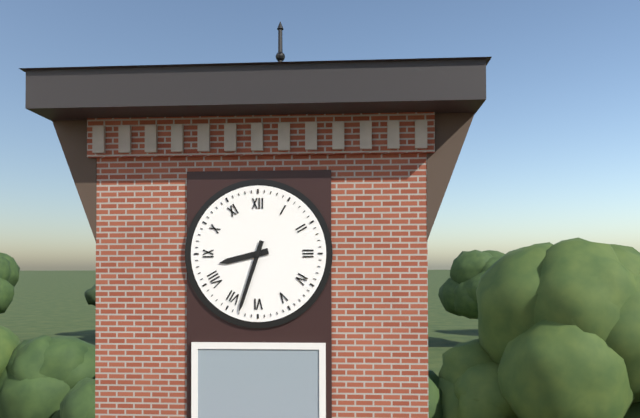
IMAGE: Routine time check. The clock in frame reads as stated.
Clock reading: 8:33
